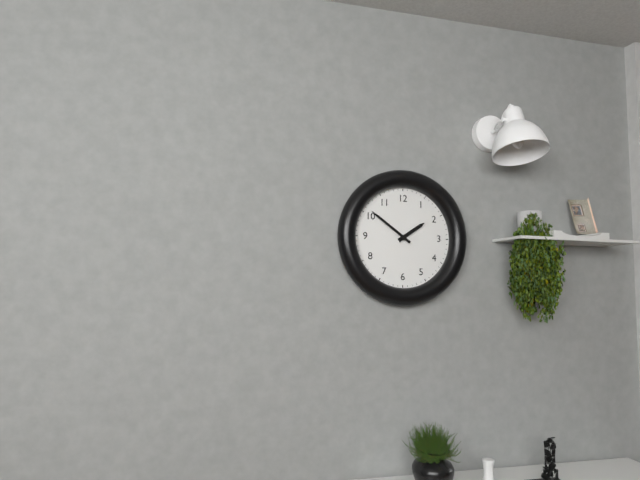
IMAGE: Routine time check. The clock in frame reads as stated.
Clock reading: 1:51
